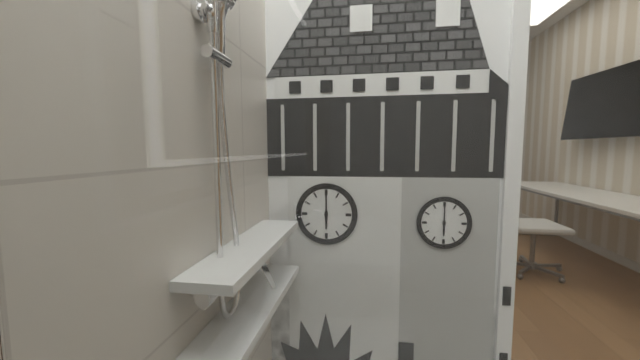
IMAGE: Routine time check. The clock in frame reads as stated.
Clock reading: 6:00
